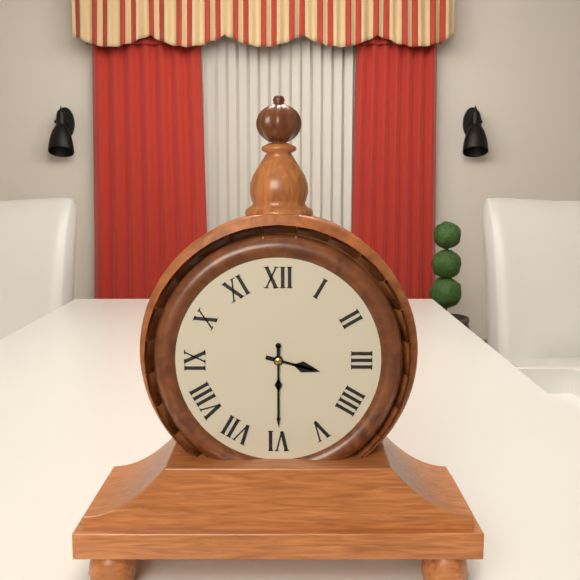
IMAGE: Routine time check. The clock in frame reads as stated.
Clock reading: 3:30
